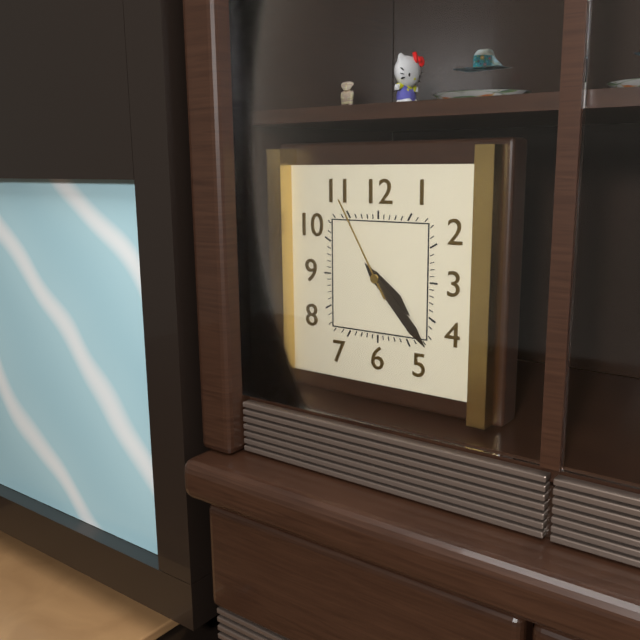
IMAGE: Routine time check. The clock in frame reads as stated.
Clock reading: 4:23:55
